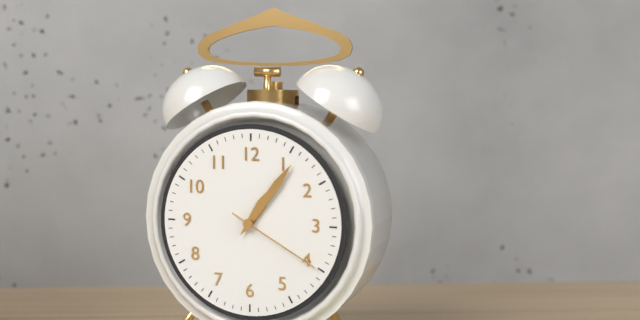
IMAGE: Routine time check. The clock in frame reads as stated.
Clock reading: 1:06:20
